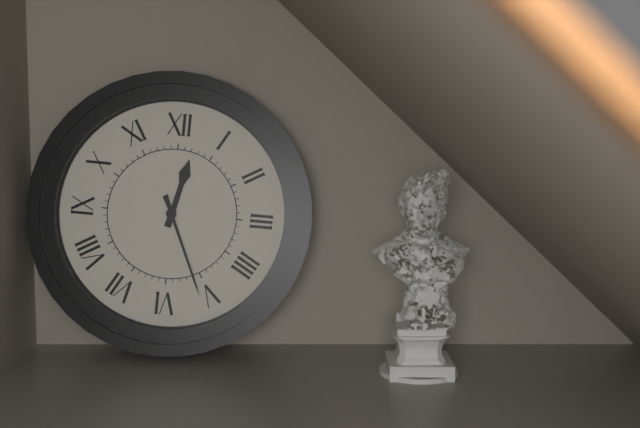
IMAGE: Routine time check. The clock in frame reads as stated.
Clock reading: 12:26
